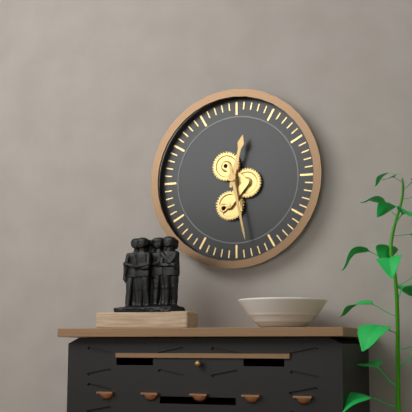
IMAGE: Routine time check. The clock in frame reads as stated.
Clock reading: 12:28
